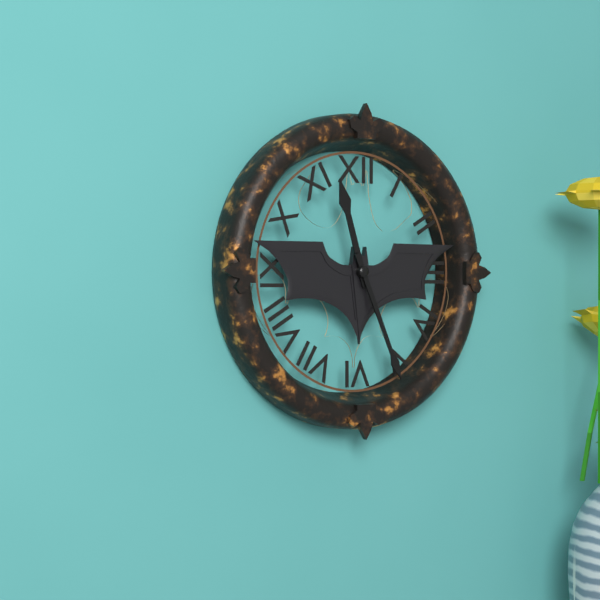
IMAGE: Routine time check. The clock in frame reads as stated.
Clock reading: 11:26
